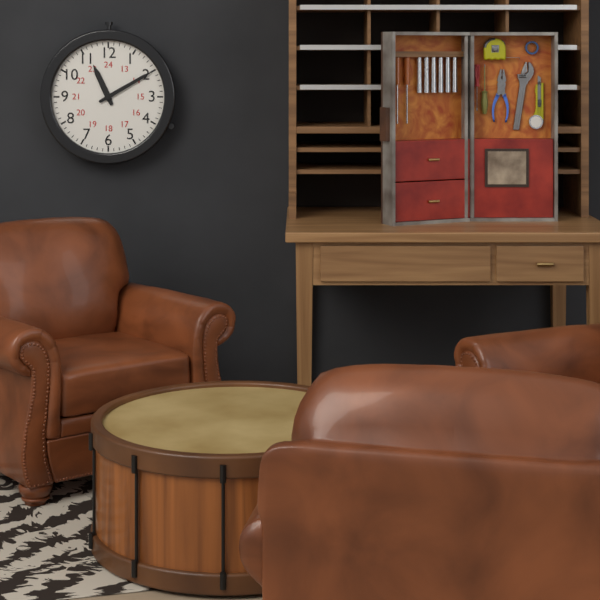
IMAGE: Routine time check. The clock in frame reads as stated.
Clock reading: 11:10
